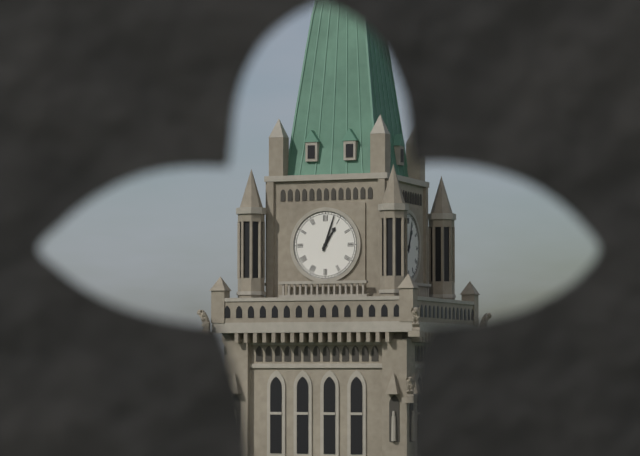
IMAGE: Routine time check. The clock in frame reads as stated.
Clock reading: 1:03
